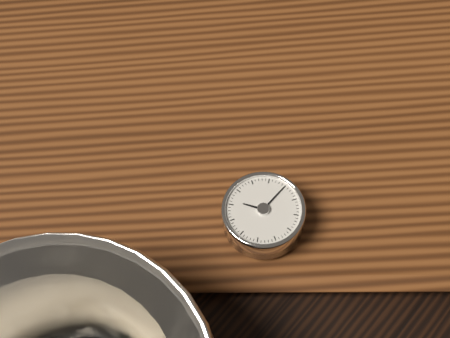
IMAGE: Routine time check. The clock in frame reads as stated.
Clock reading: 11:15
